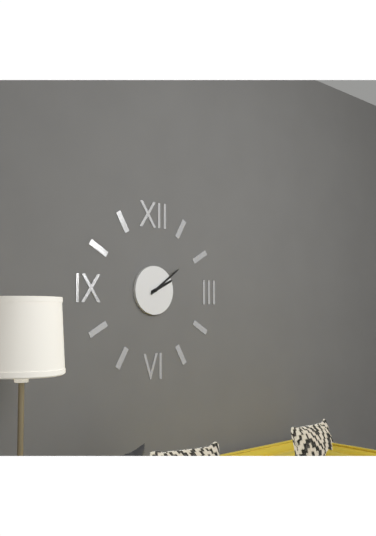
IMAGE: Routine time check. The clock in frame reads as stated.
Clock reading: 2:09
